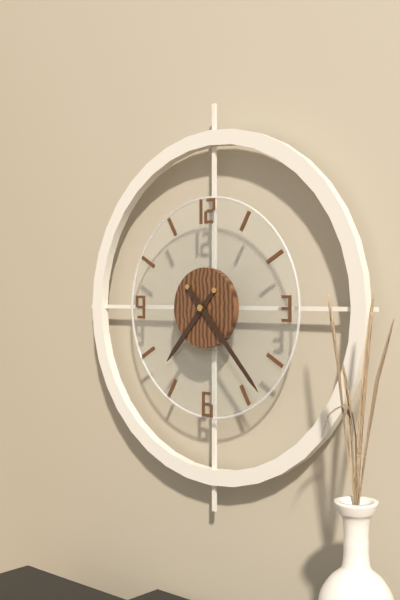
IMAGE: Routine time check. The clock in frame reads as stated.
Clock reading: 7:23
